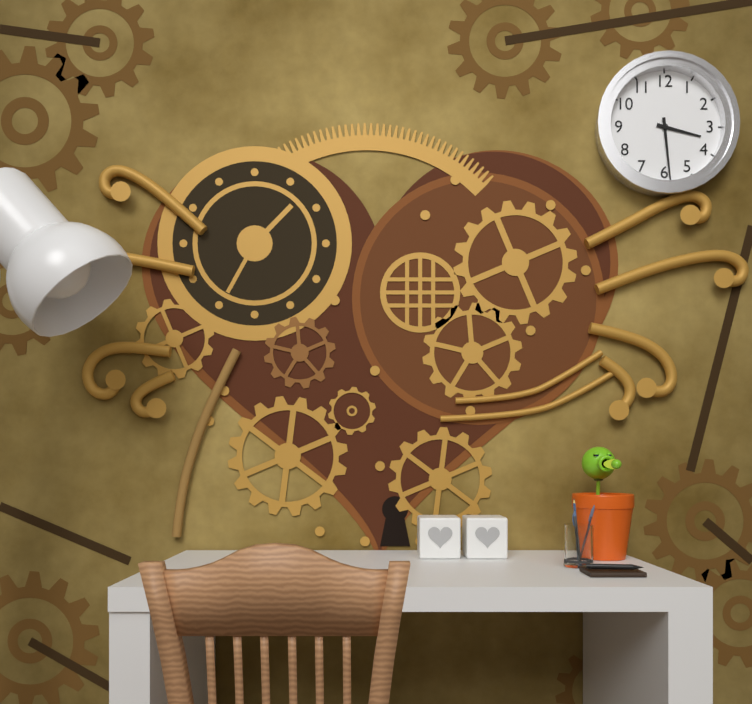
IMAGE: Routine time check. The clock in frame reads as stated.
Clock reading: 3:29
